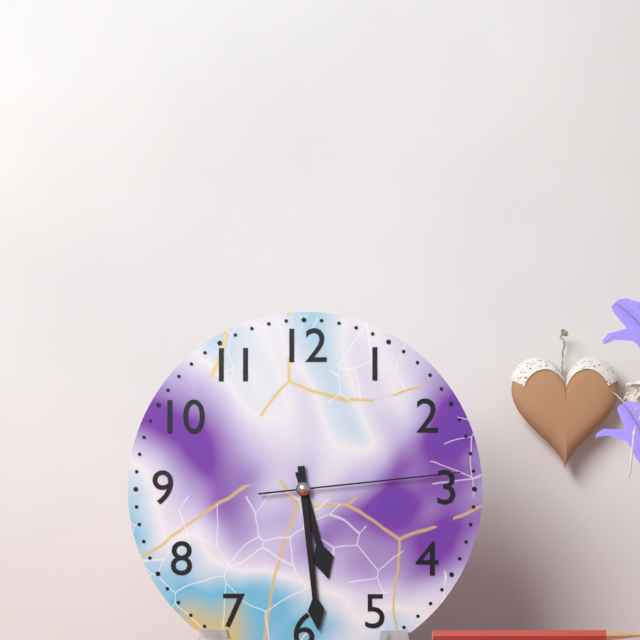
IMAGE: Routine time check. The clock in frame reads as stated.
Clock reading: 5:29:14
